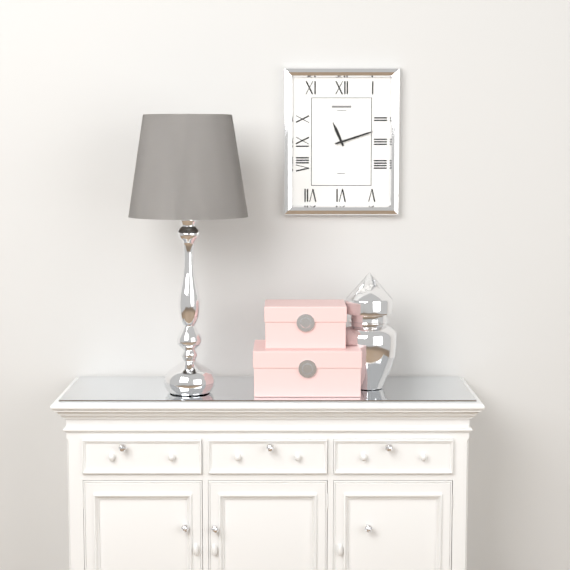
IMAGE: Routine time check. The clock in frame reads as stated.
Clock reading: 11:12
